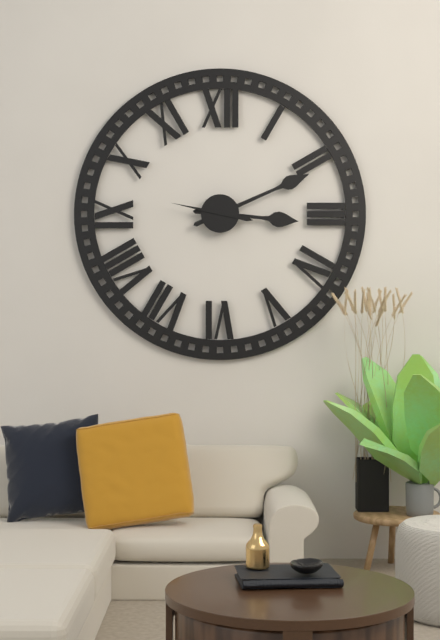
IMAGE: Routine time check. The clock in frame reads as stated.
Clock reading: 3:11:47
